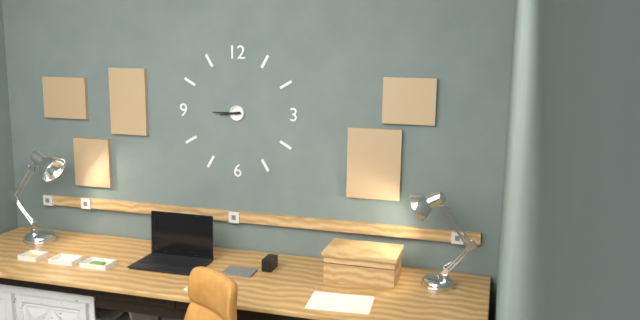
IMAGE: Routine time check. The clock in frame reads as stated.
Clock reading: 8:45
